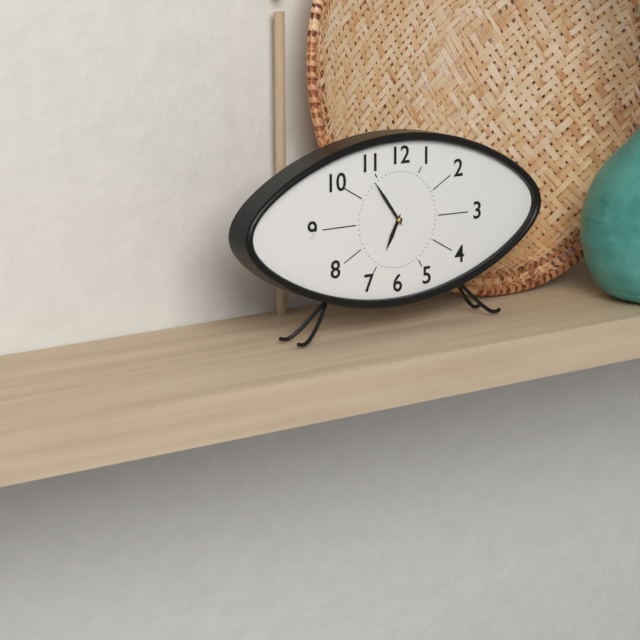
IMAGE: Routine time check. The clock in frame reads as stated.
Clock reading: 6:54
